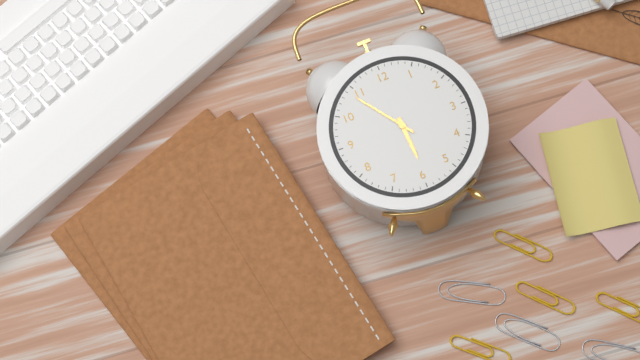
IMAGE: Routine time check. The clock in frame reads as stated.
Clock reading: 5:54
